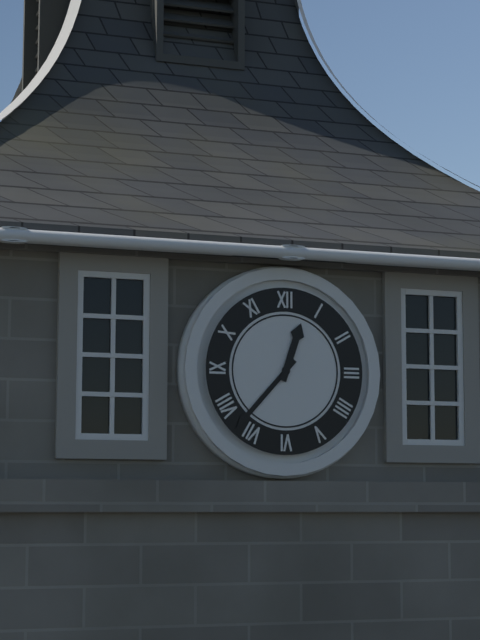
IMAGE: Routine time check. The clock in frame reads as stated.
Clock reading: 12:37
